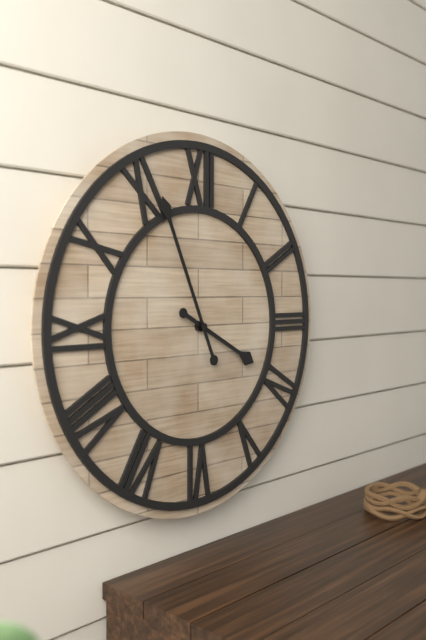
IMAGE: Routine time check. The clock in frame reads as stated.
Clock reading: 3:56
